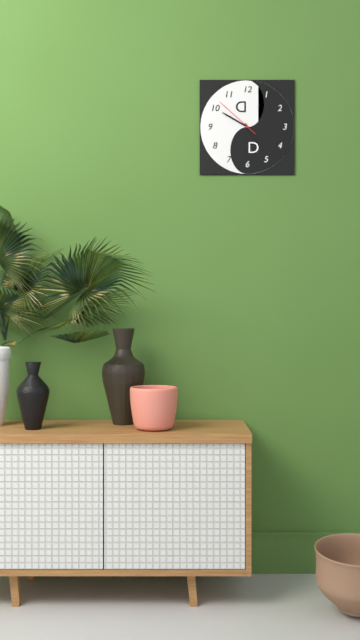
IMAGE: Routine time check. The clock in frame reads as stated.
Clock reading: 4:50
